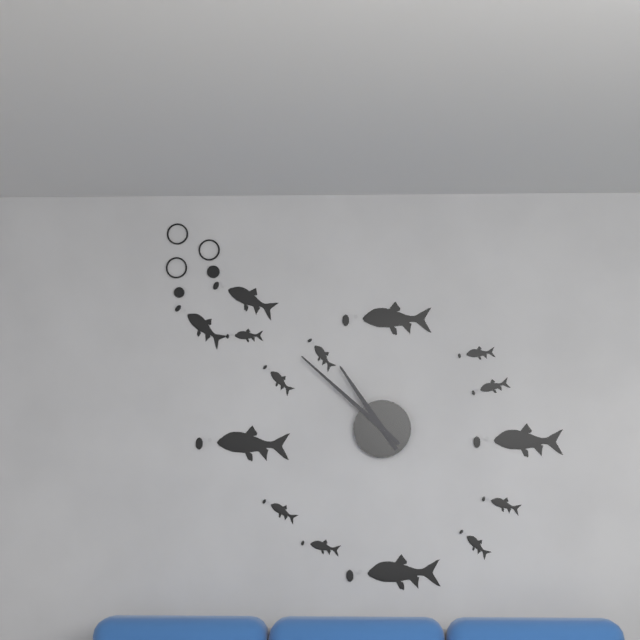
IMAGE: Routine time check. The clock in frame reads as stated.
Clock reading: 10:52
